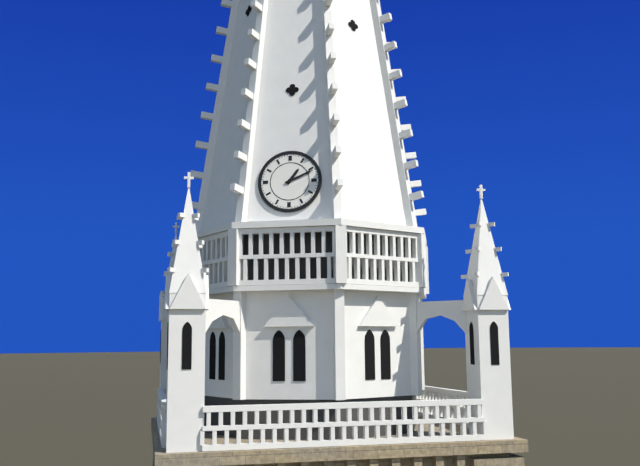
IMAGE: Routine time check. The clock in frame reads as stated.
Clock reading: 1:11
